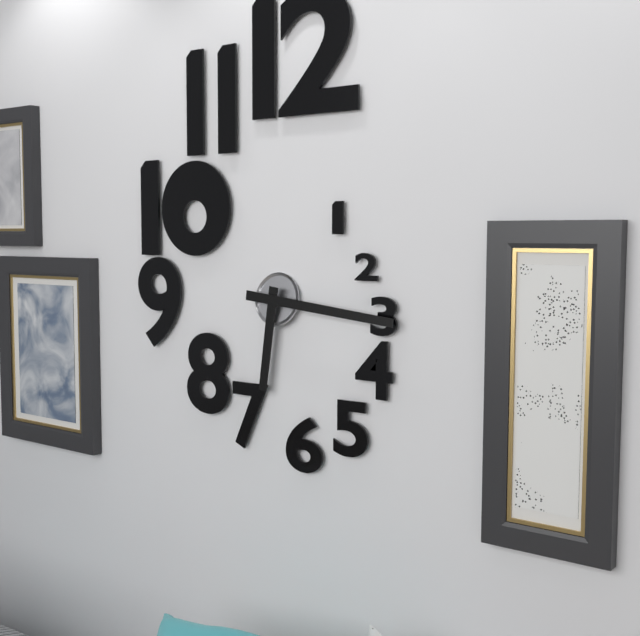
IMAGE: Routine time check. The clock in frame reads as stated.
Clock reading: 6:16
